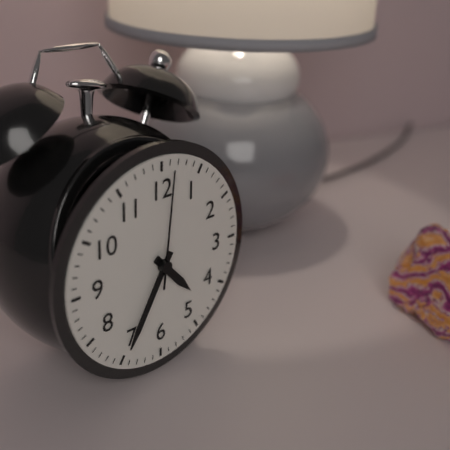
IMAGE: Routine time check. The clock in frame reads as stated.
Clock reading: 4:35:01
